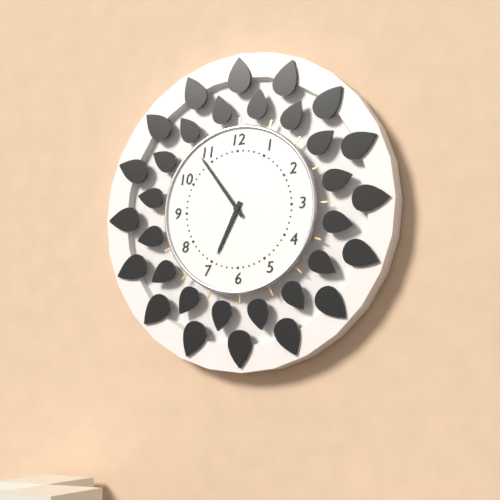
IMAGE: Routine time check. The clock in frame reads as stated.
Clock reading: 6:54
